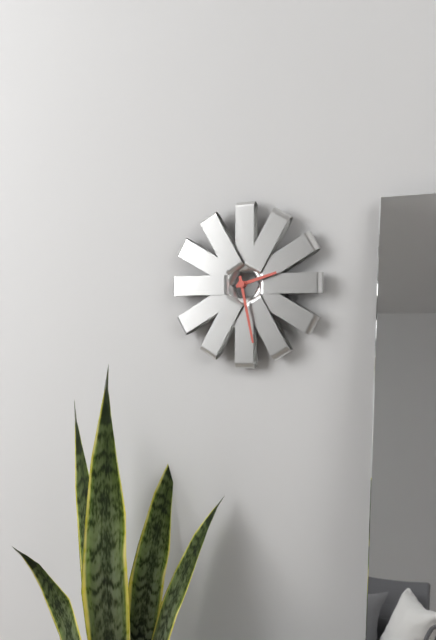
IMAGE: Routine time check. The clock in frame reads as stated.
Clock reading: 2:28
